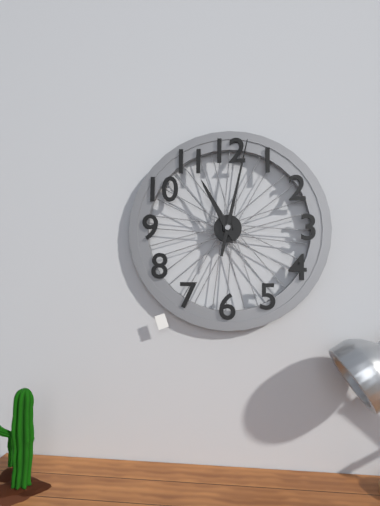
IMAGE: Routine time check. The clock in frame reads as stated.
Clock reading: 11:02
